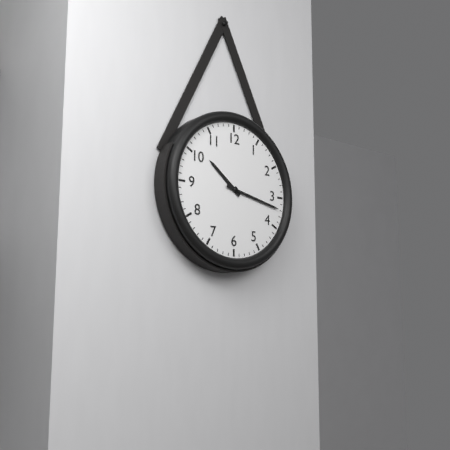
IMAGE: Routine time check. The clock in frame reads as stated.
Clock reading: 10:17
